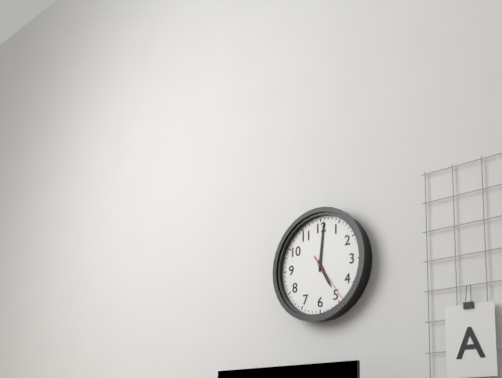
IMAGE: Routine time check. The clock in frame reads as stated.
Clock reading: 5:01
